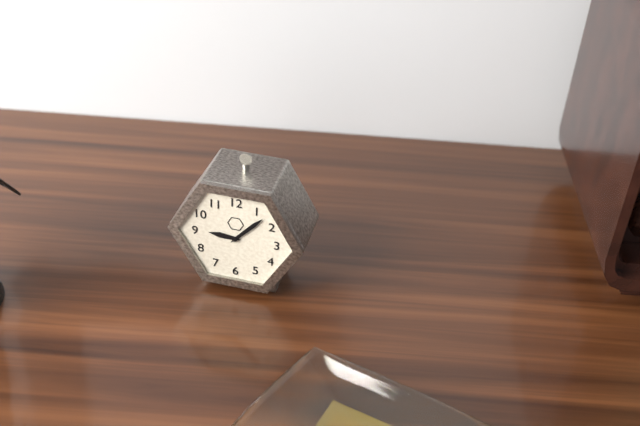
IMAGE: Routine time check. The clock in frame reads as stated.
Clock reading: 9:07
